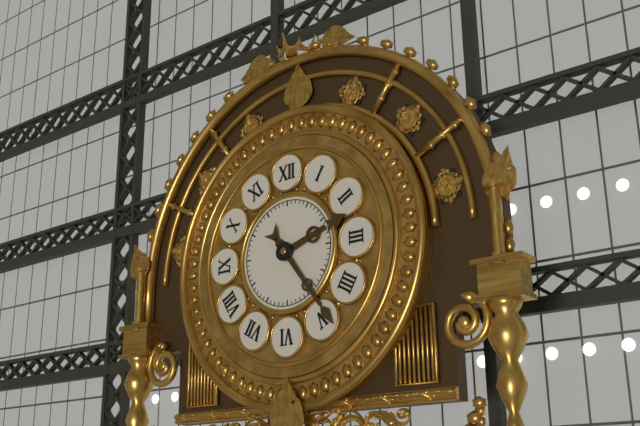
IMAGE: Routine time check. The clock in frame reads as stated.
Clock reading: 2:24
